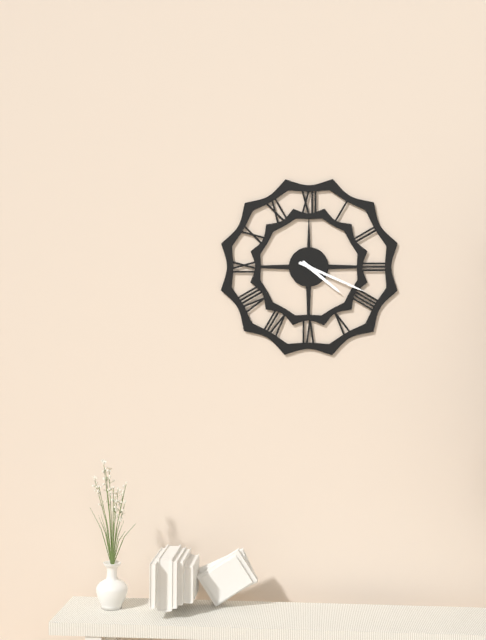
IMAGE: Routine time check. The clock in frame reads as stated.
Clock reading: 4:19
